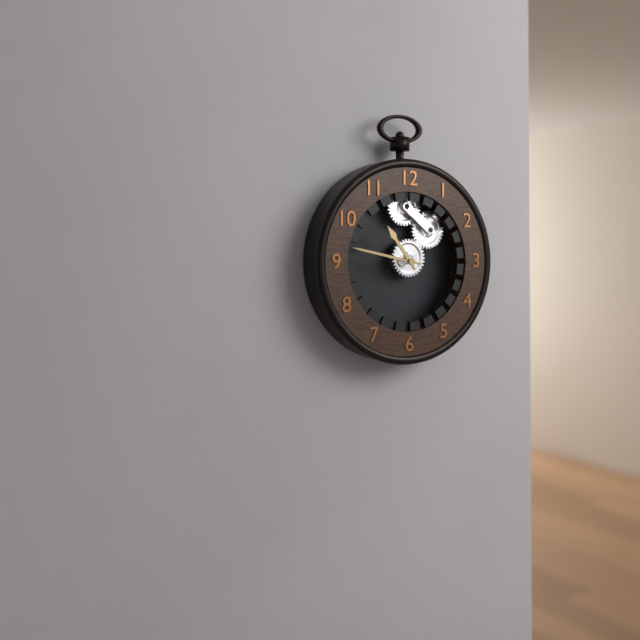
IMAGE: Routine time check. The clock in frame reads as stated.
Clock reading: 10:47
